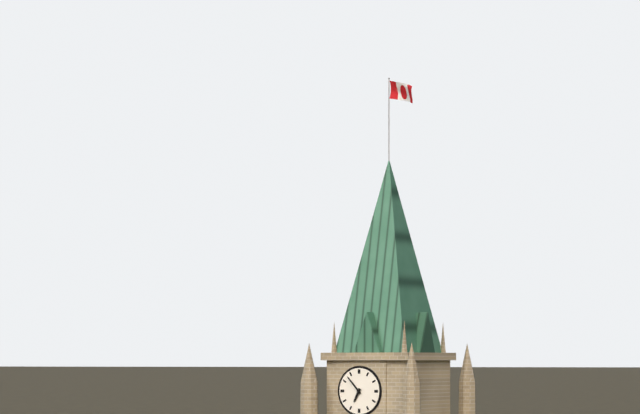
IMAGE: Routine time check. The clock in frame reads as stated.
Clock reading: 6:53
